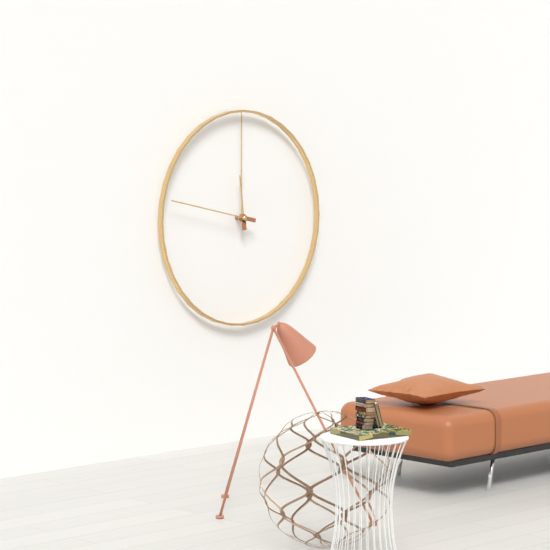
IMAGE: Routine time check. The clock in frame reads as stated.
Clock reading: 11:47
